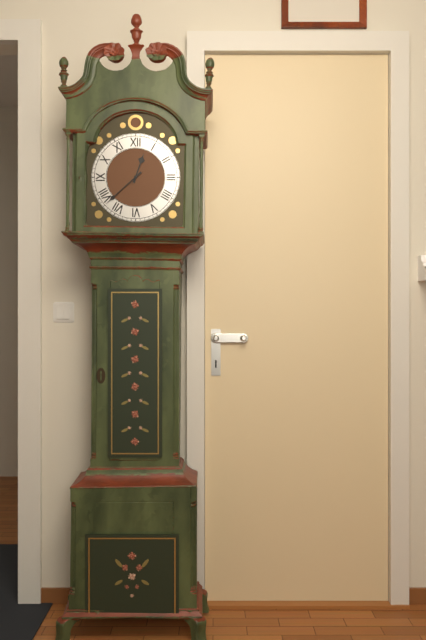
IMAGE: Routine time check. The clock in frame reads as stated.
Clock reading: 12:38
